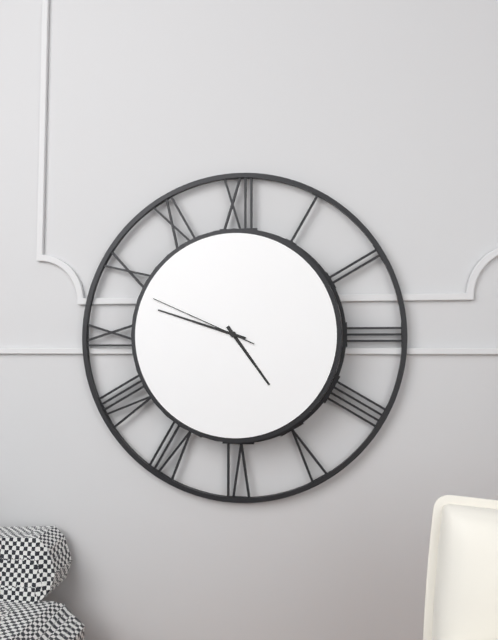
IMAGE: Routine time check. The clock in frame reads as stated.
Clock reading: 4:48:49
